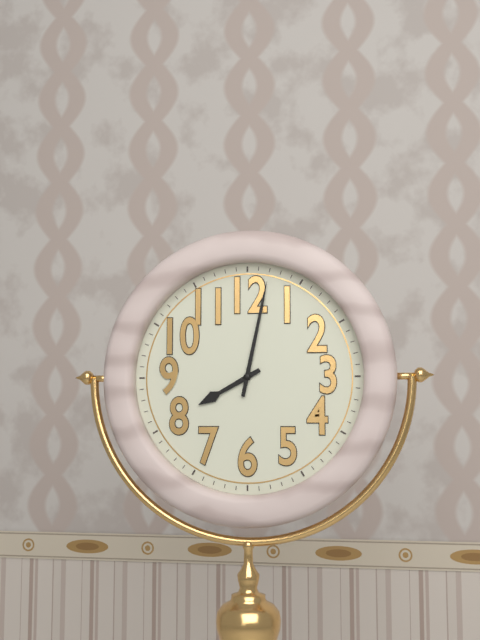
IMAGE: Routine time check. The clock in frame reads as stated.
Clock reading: 8:02
